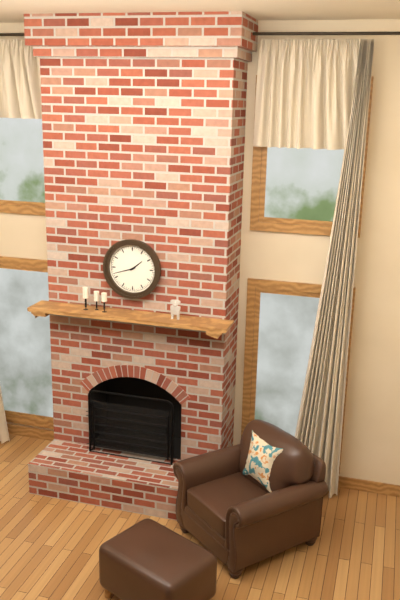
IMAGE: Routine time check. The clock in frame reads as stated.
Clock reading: 1:42
